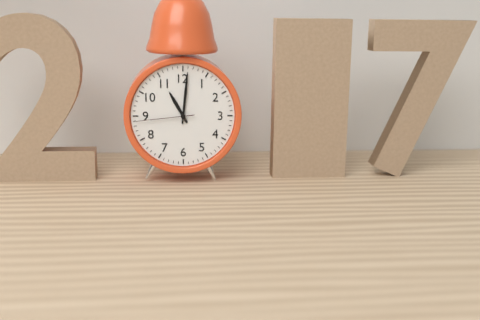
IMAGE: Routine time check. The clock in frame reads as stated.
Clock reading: 11:01:44
